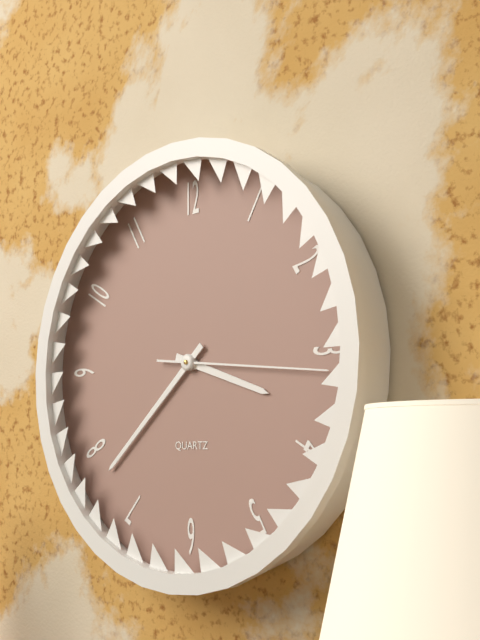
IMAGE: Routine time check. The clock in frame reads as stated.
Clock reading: 3:38:16
